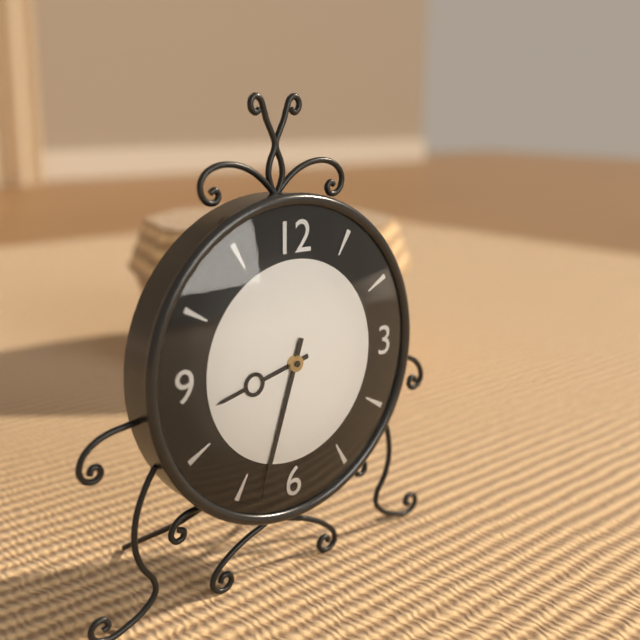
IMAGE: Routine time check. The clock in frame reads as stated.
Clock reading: 8:33
